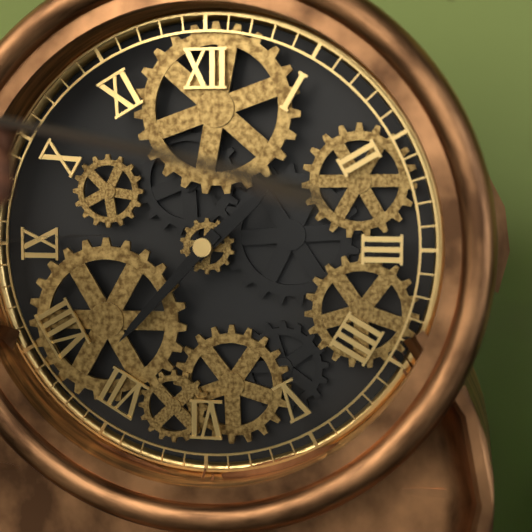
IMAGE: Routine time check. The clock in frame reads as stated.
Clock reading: 1:37
